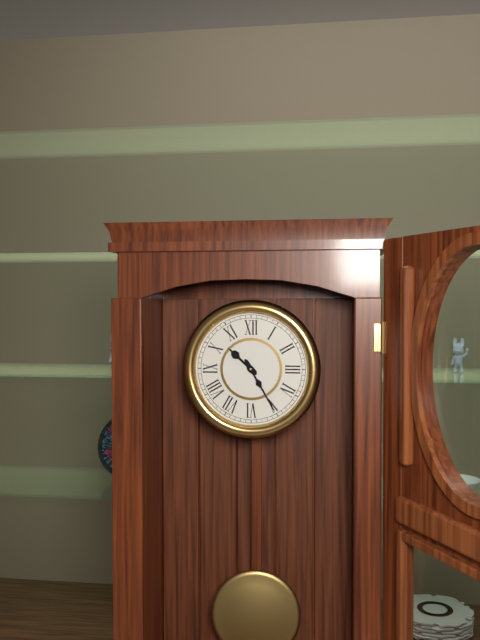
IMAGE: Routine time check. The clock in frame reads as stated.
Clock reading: 10:25
